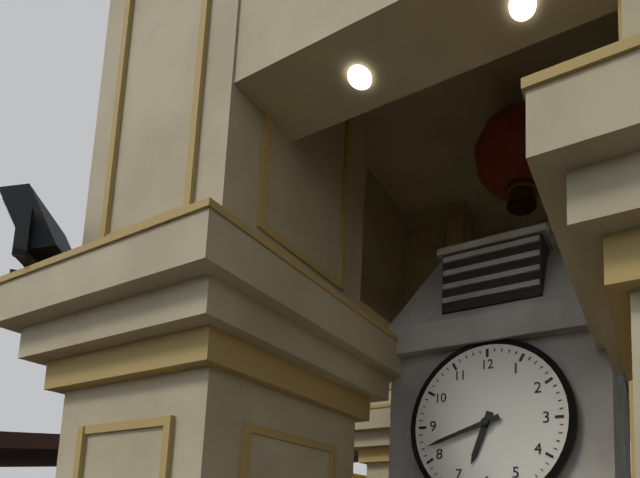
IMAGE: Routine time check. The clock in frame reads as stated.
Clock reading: 6:42
